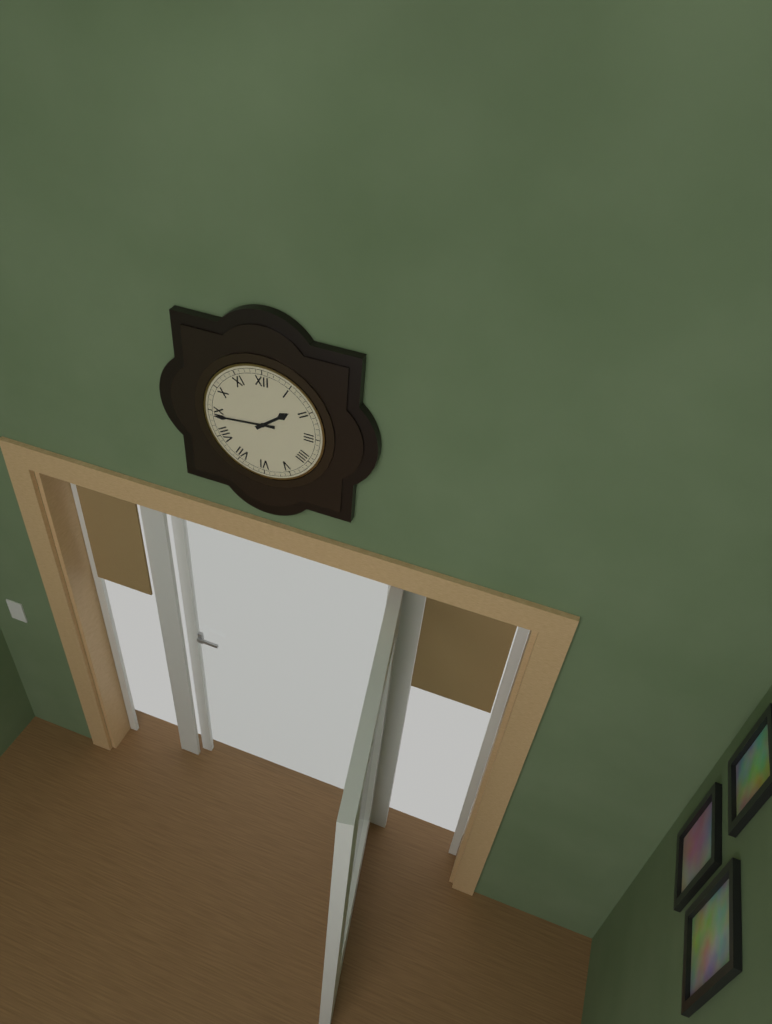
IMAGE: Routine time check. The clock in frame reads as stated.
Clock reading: 1:44
